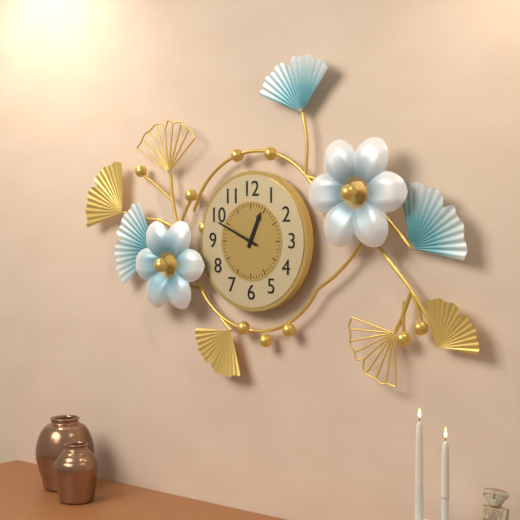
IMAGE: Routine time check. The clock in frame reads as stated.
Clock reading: 12:49
